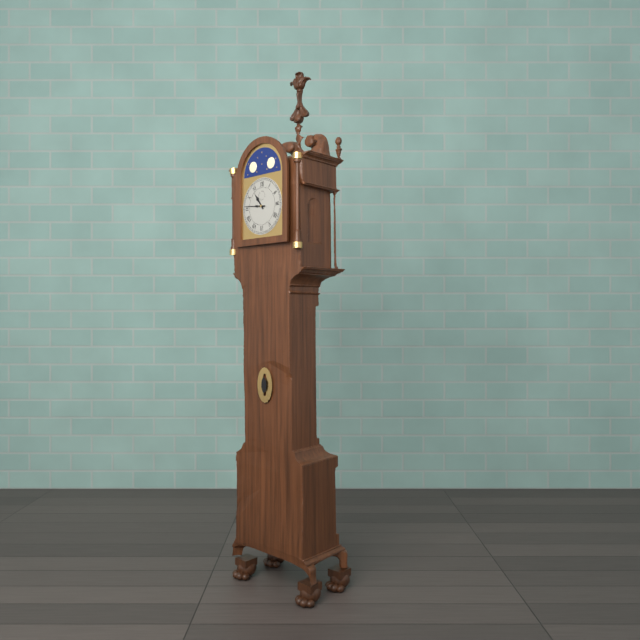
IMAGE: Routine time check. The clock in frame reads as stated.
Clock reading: 10:46
